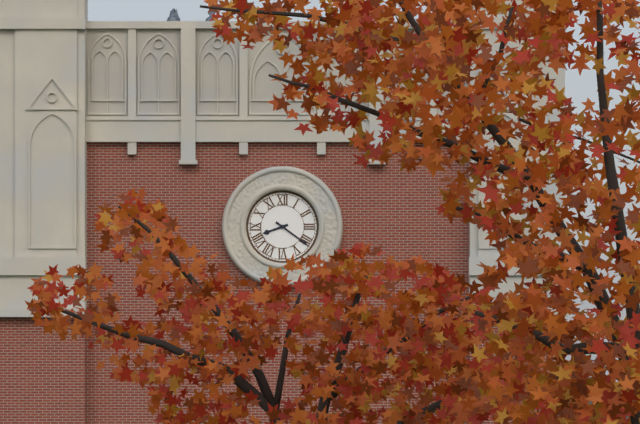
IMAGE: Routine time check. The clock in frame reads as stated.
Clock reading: 8:21
